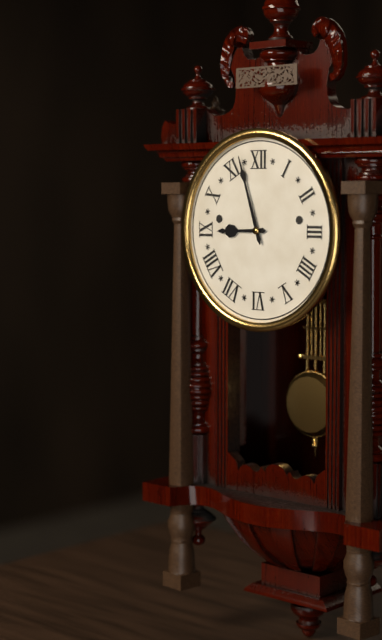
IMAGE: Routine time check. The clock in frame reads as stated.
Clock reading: 8:57
